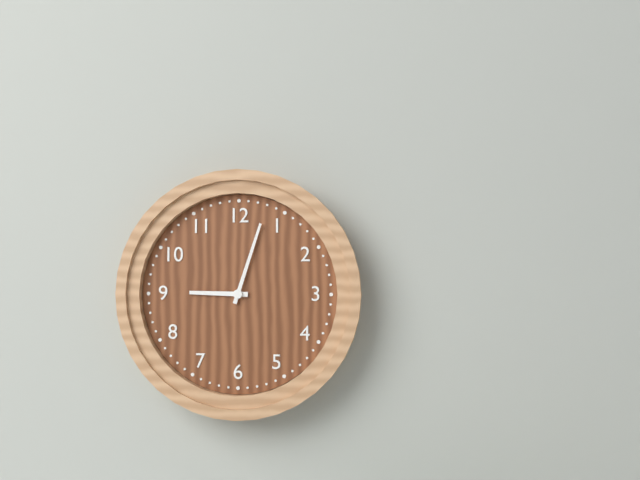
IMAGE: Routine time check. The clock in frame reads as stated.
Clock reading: 9:03
